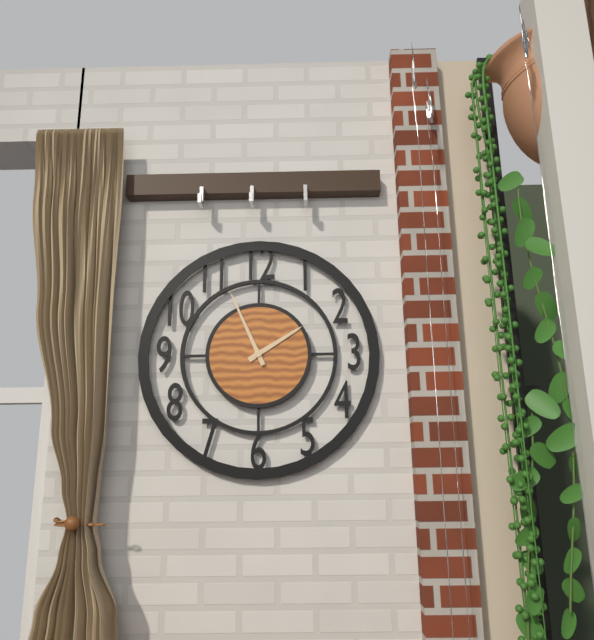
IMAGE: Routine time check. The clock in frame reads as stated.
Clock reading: 1:56
